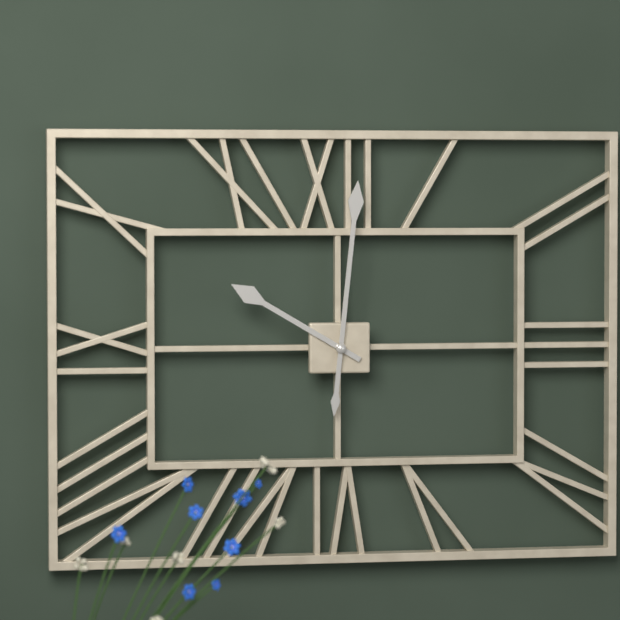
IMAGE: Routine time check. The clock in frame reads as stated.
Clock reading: 10:01
